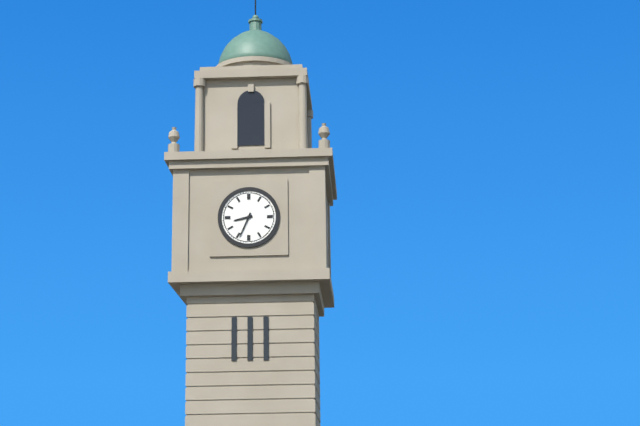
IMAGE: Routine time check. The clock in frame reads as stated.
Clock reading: 8:34
